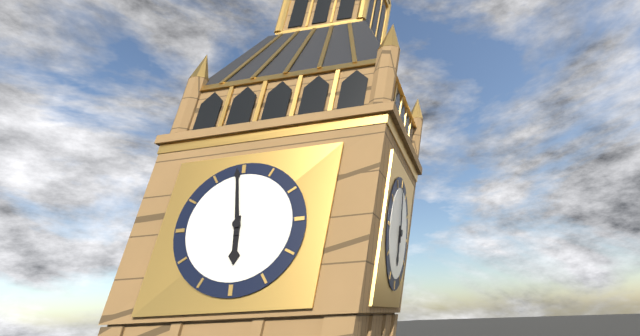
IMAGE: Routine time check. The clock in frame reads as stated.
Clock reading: 5:59
